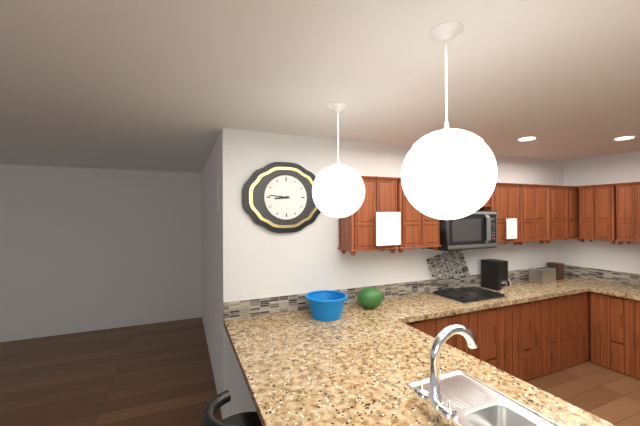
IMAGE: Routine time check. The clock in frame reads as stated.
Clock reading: 8:46
